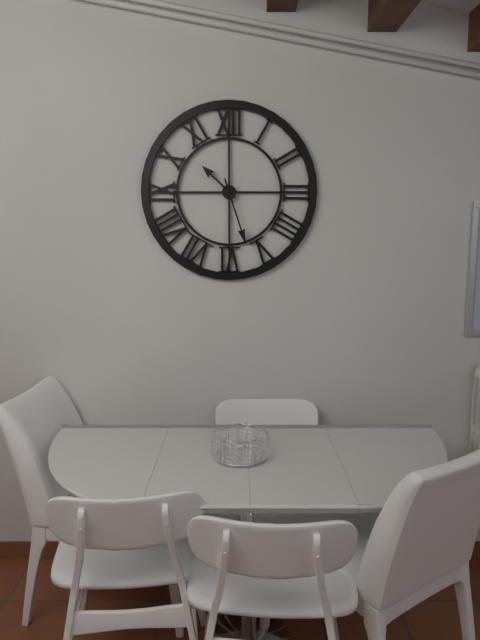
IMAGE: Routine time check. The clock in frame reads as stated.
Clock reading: 10:27
